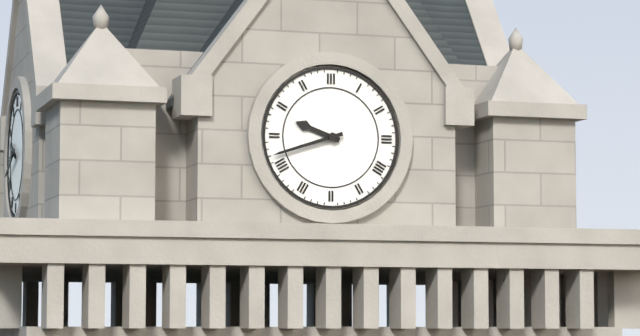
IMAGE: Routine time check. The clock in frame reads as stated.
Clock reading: 9:42
